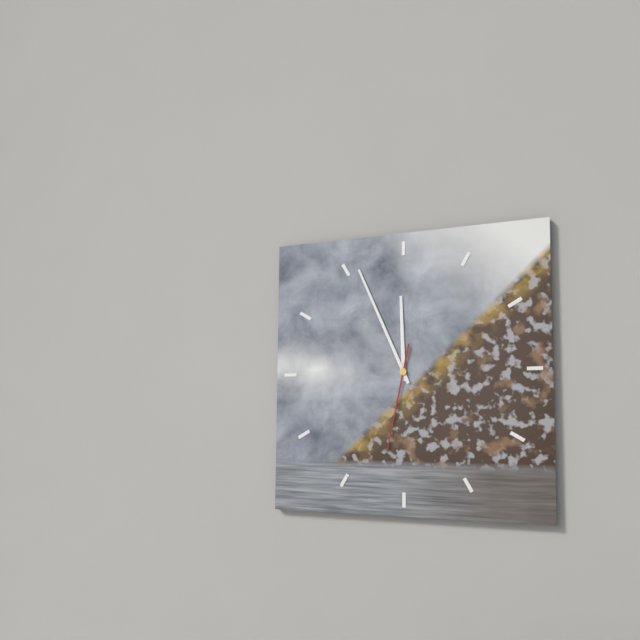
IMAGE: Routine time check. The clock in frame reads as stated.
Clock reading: 11:56:32
